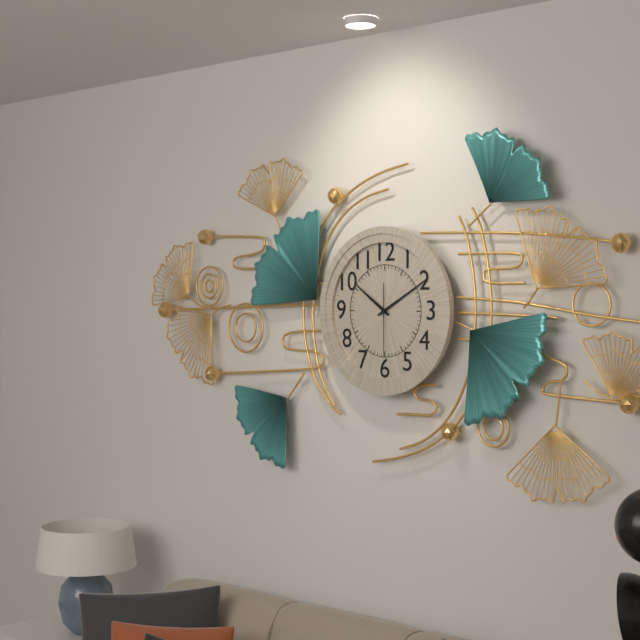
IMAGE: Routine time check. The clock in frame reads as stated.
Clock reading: 10:10:30
